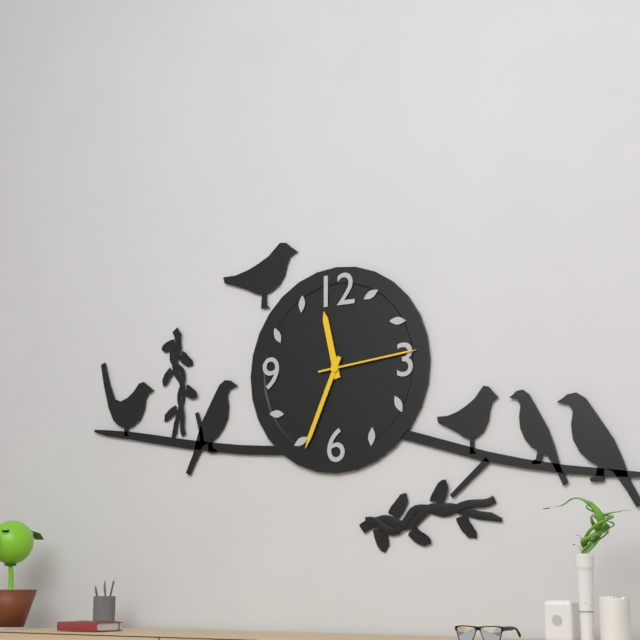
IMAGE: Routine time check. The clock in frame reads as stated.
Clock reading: 11:34:14
